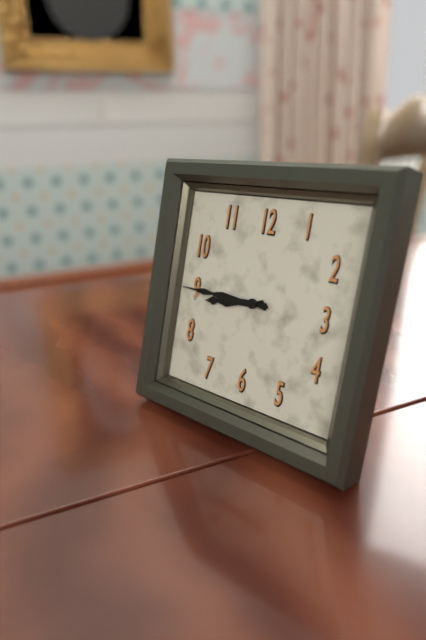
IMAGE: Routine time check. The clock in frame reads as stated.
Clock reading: 8:45
